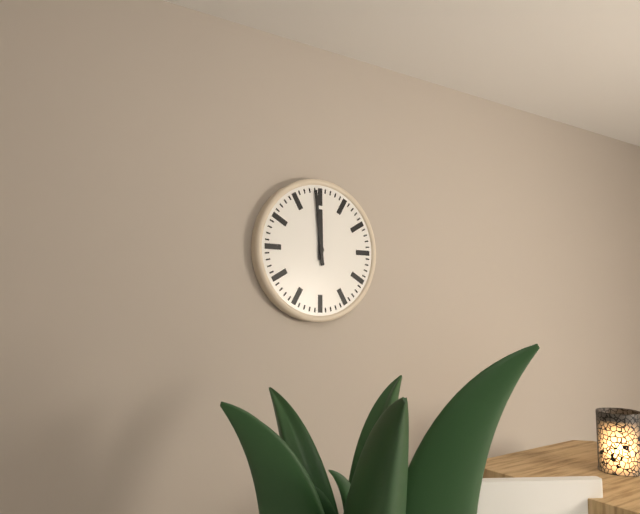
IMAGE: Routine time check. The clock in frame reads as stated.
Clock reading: 11:59
